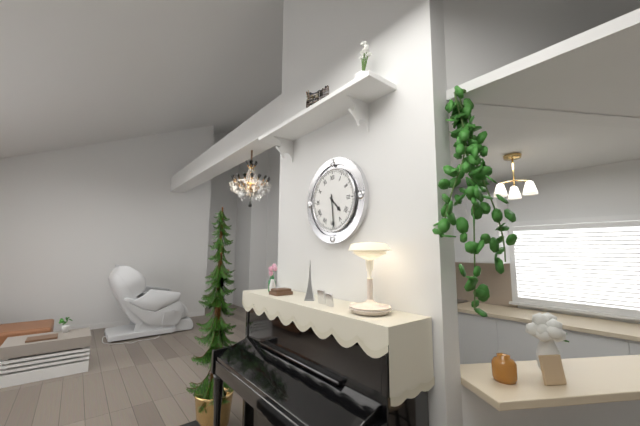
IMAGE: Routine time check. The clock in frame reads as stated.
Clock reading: 4:29
